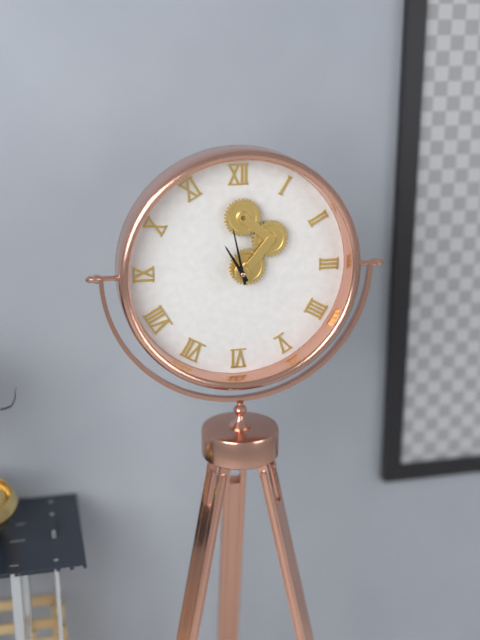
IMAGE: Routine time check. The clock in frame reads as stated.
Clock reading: 10:58
